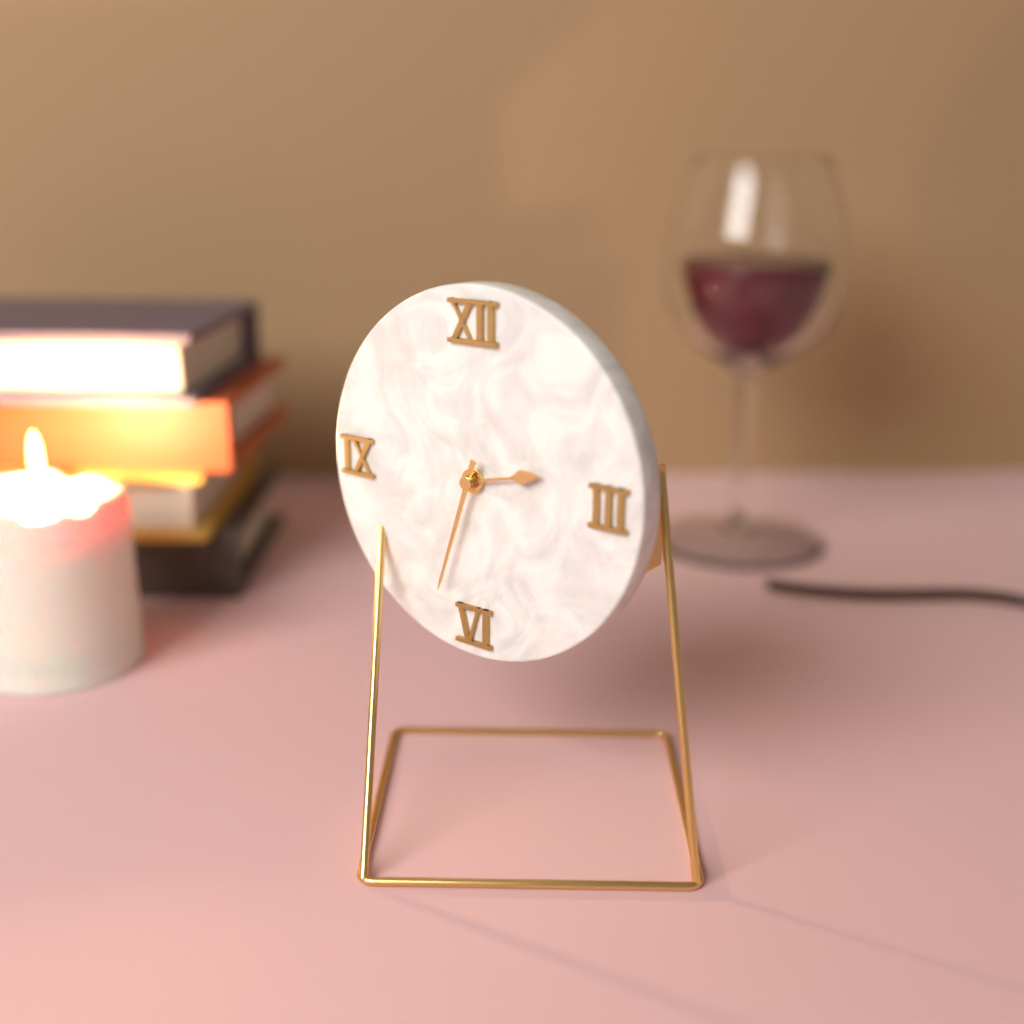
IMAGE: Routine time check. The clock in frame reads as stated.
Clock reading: 2:33
